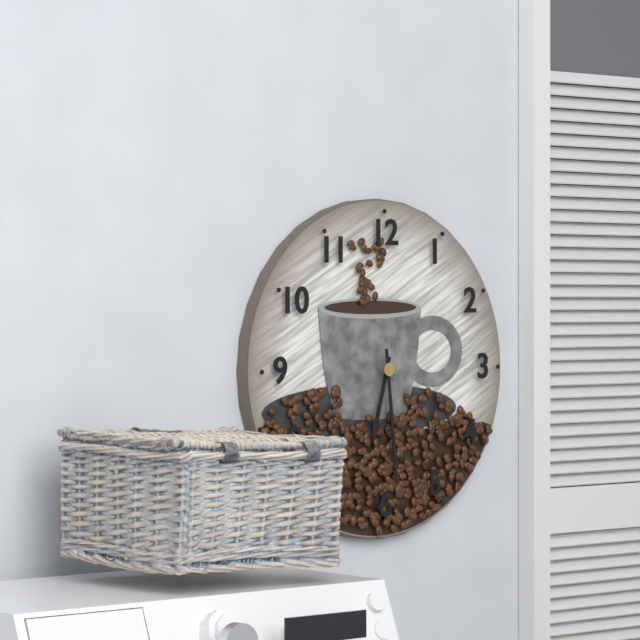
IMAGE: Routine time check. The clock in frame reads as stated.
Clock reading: 6:29
